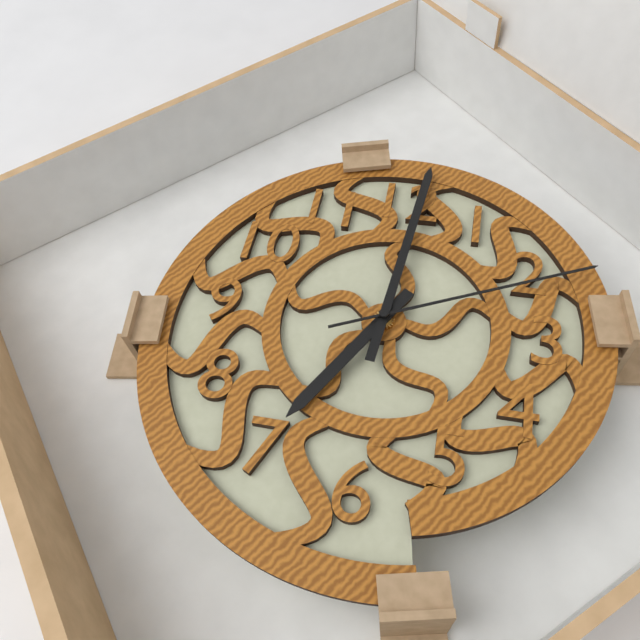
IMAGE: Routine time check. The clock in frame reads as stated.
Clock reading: 7:01:11
